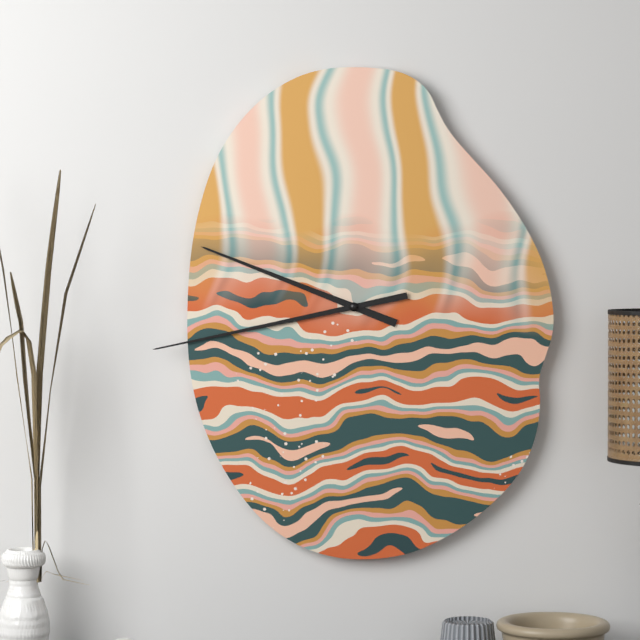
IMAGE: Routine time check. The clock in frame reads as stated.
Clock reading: 9:43
